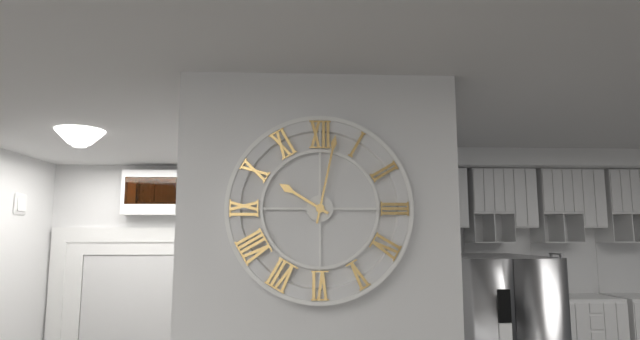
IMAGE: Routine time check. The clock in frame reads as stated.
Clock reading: 10:02
